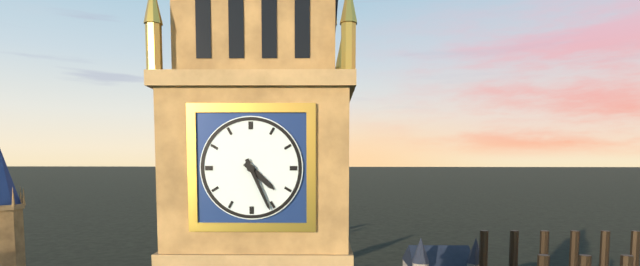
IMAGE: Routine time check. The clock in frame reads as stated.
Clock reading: 4:26
